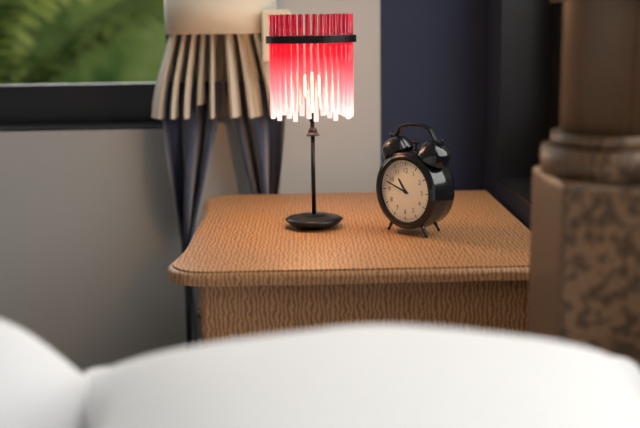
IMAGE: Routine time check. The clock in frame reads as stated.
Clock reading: 10:48
